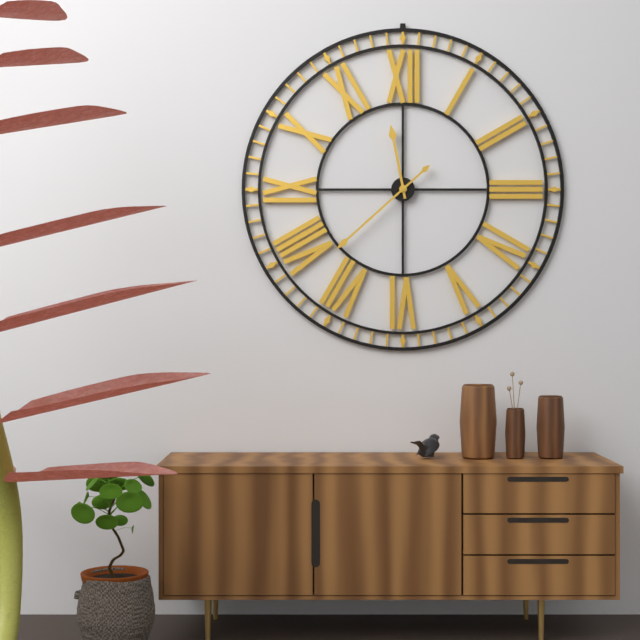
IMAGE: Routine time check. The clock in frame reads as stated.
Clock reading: 11:38
